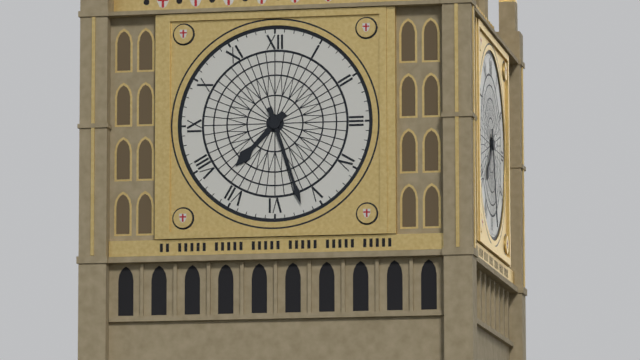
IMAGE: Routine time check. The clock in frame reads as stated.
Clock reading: 7:27
